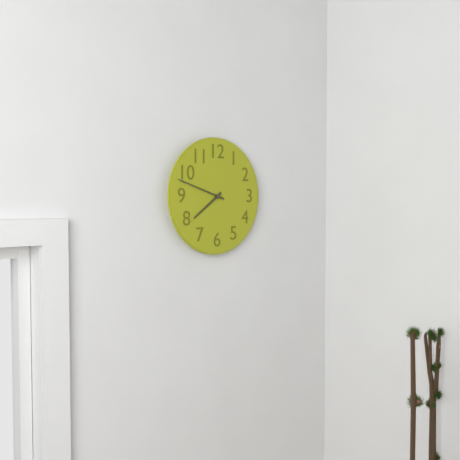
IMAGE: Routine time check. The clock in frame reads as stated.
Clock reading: 7:48
